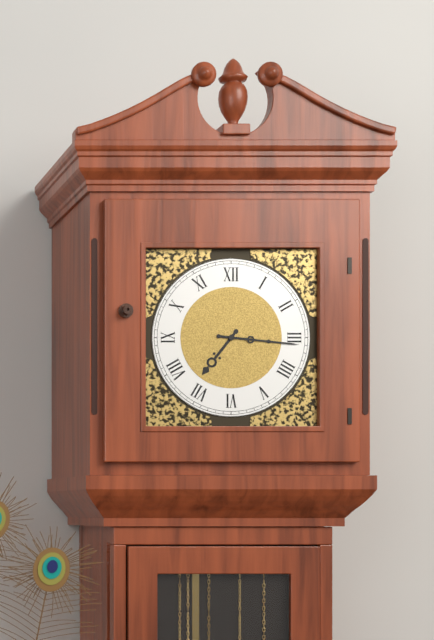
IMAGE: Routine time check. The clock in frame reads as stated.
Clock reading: 7:16
